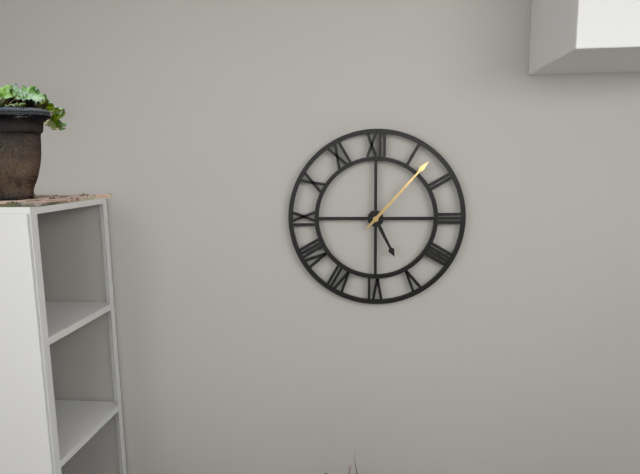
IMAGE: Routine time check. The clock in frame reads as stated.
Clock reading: 5:07
